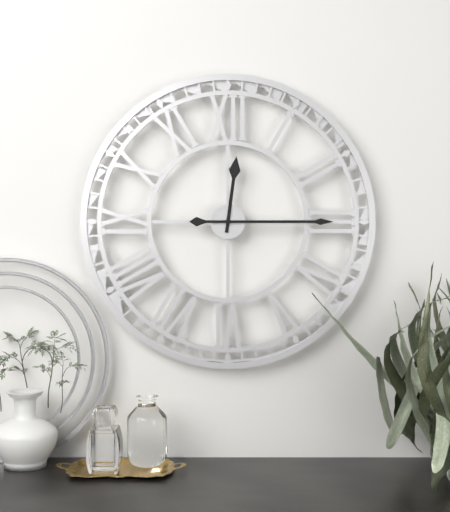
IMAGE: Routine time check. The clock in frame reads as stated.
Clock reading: 12:15
